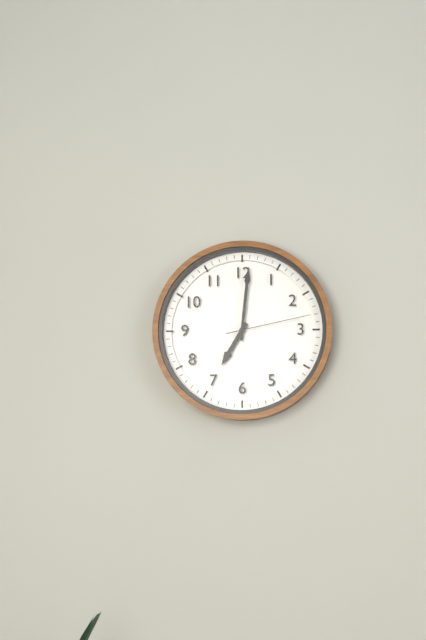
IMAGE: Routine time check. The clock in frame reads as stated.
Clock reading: 7:01:13
